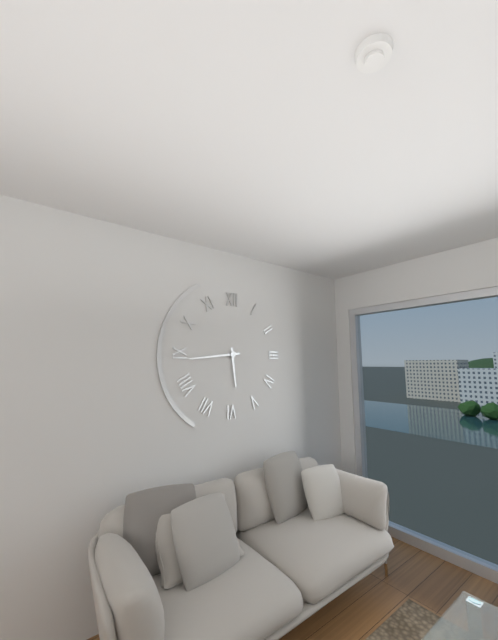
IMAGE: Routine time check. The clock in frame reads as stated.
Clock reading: 5:44
